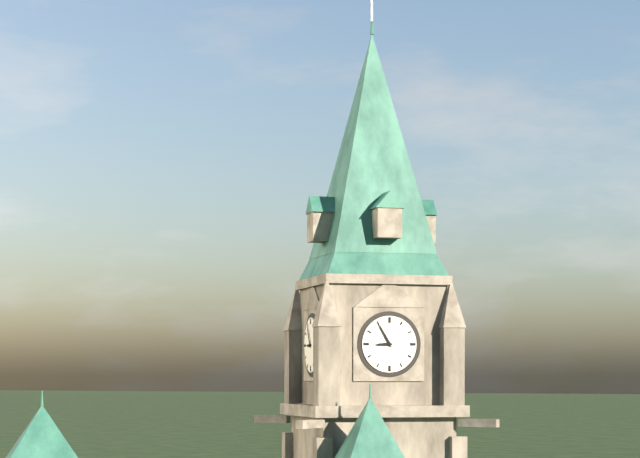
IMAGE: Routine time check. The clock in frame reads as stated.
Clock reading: 8:55
